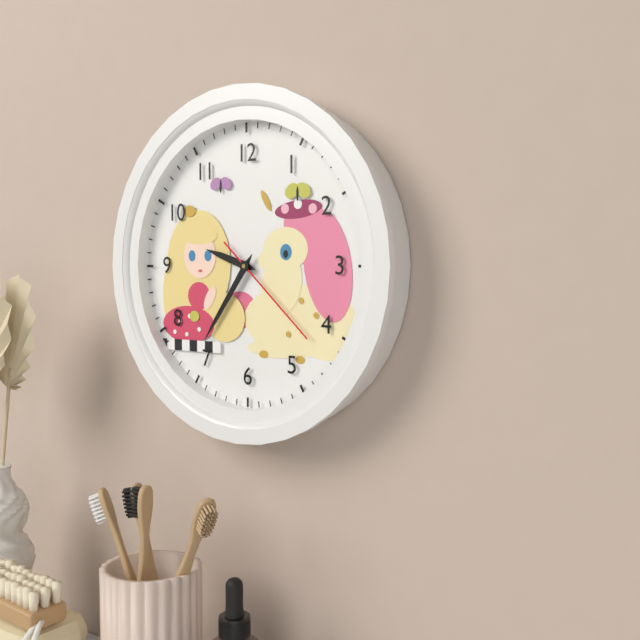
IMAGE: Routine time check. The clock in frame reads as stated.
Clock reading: 9:36:22
